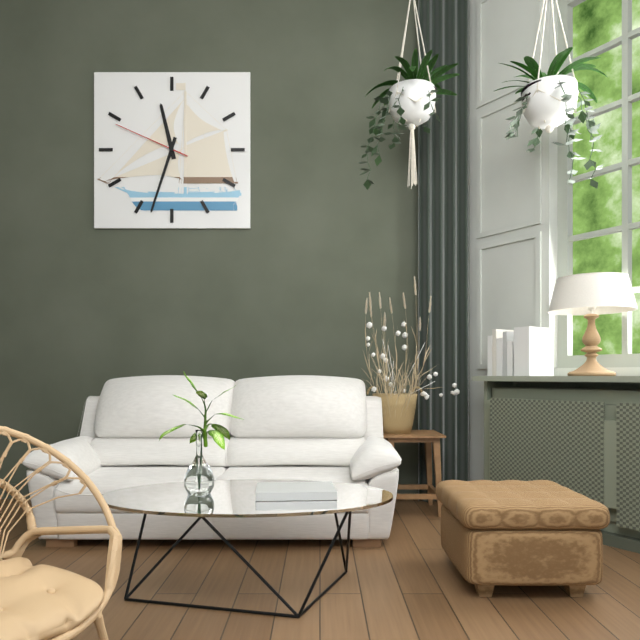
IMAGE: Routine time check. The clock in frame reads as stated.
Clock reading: 11:33:49
